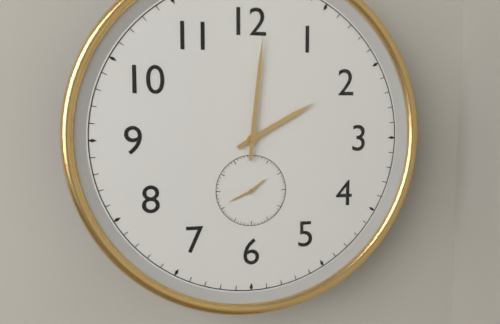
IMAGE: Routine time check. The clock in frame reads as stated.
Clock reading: 2:01
